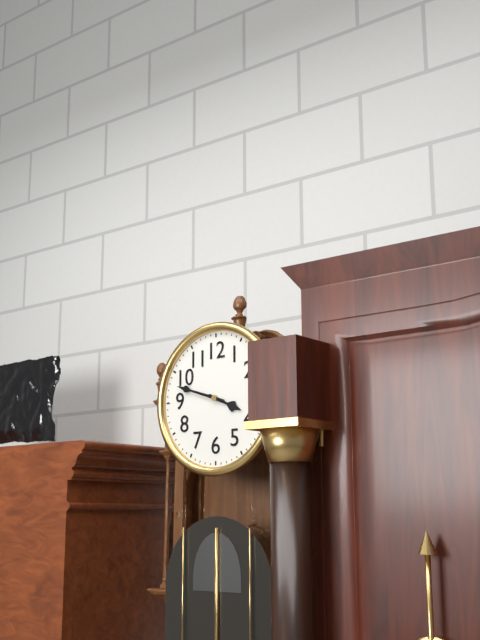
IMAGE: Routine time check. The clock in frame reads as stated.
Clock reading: 3:48
